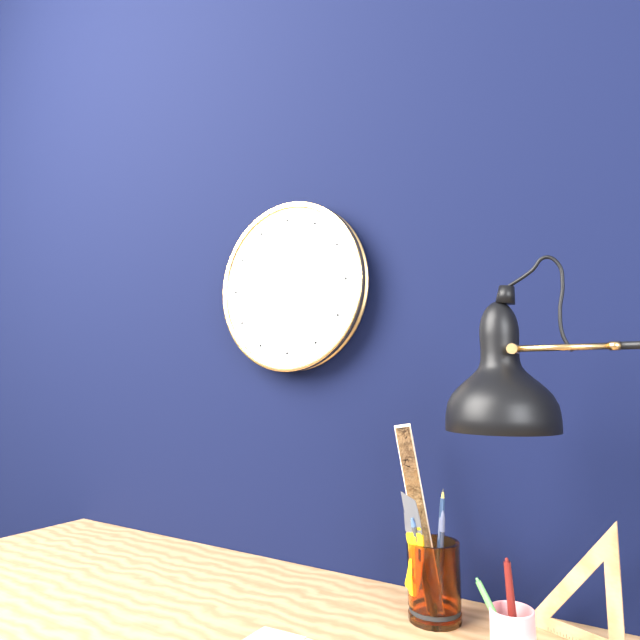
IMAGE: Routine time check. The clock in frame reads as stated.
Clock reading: 7:53
